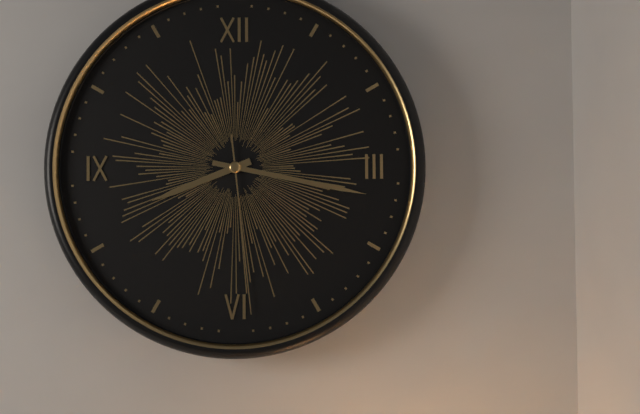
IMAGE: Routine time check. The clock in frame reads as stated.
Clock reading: 8:17:29
